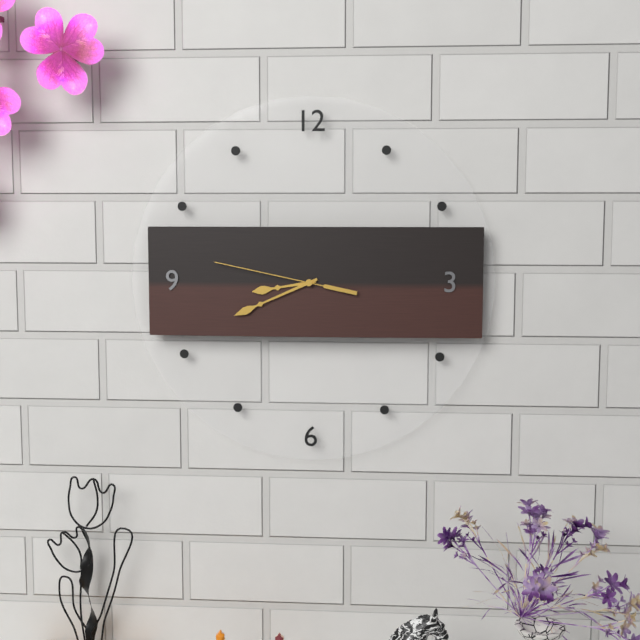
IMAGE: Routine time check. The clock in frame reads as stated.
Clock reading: 8:41:47
